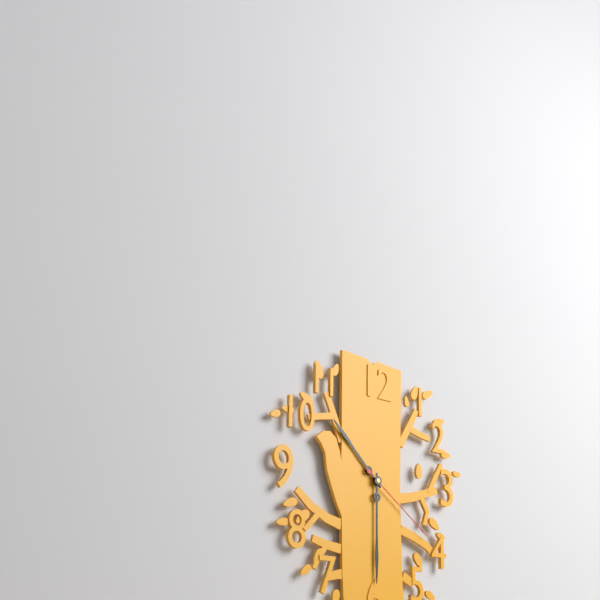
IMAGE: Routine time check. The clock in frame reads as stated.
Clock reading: 10:30:21
